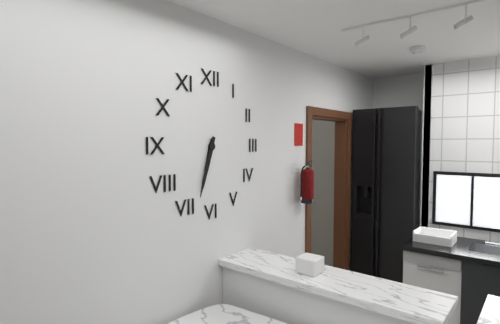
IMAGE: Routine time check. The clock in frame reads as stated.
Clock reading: 6:33
